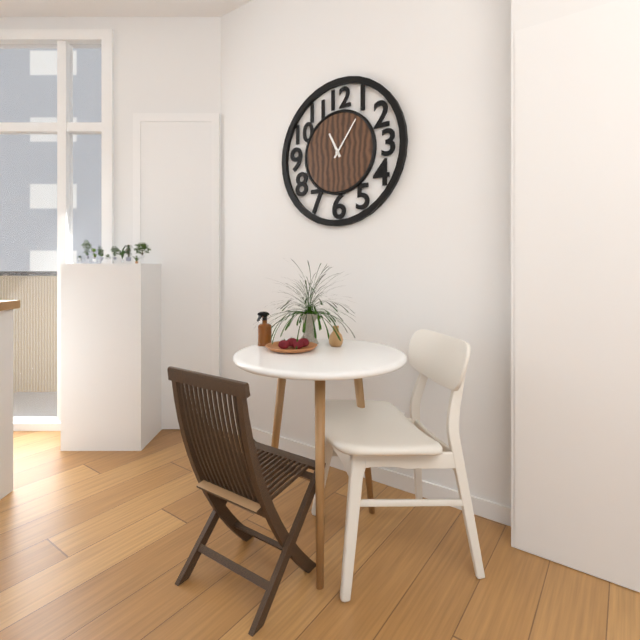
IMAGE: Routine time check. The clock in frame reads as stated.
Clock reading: 11:06
